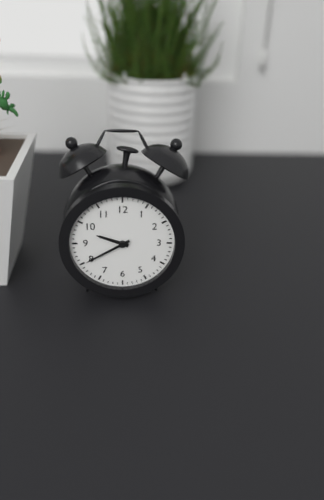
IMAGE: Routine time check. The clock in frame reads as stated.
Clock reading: 9:40
